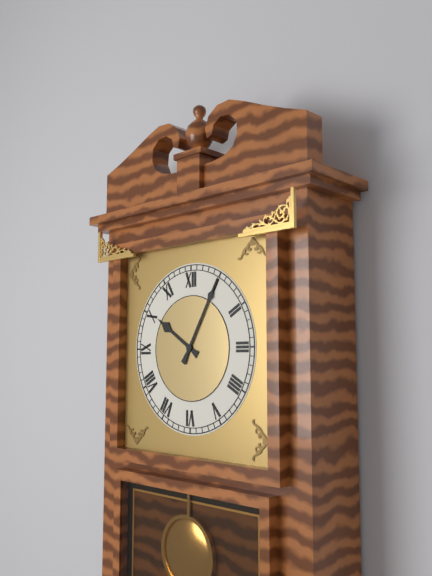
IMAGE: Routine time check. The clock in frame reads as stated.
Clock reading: 10:05
